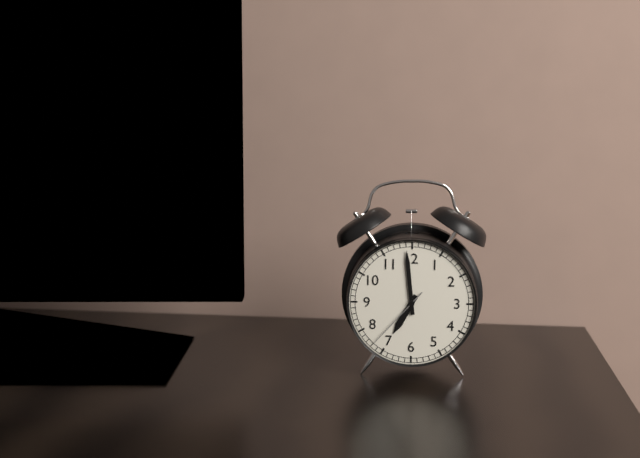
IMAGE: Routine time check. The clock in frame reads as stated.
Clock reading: 6:59:37
